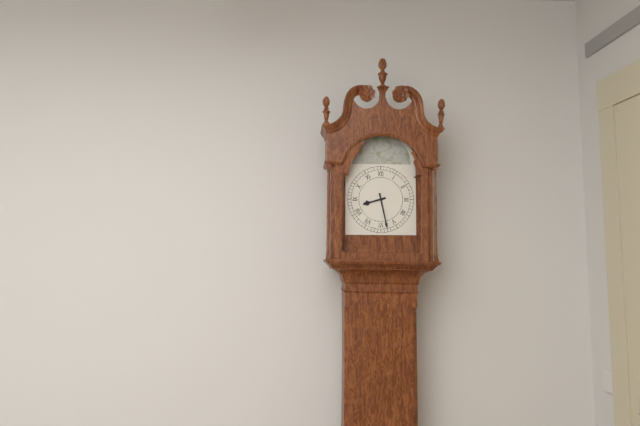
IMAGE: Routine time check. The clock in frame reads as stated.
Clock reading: 8:28
